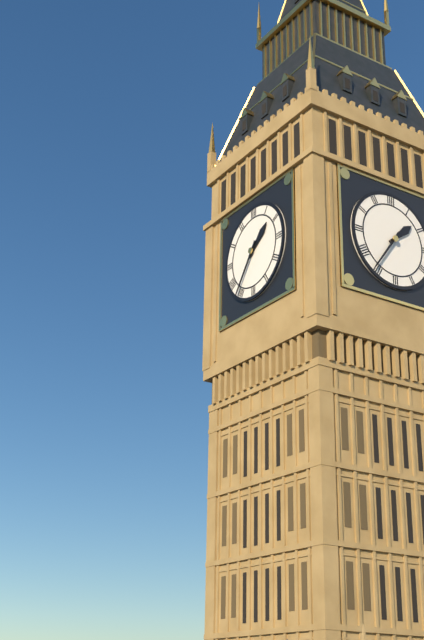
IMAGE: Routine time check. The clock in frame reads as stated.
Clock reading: 1:36
